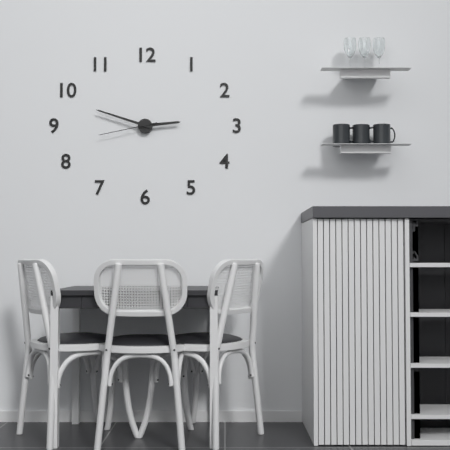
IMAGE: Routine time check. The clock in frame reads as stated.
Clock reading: 2:48:43
